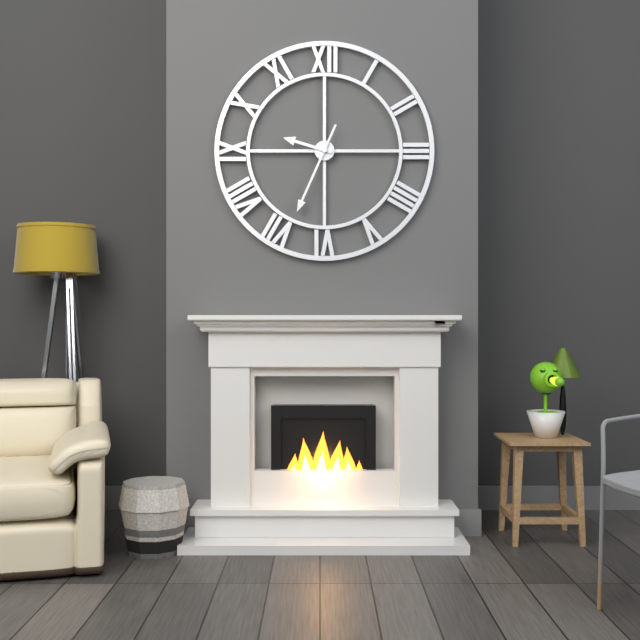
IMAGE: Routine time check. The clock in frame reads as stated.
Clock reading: 9:34
